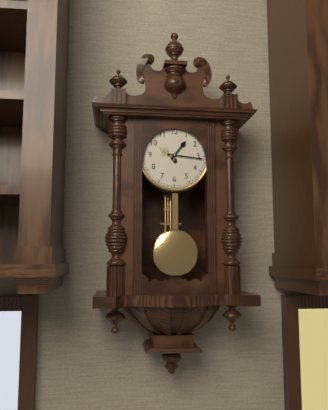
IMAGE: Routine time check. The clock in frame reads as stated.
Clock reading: 1:16
